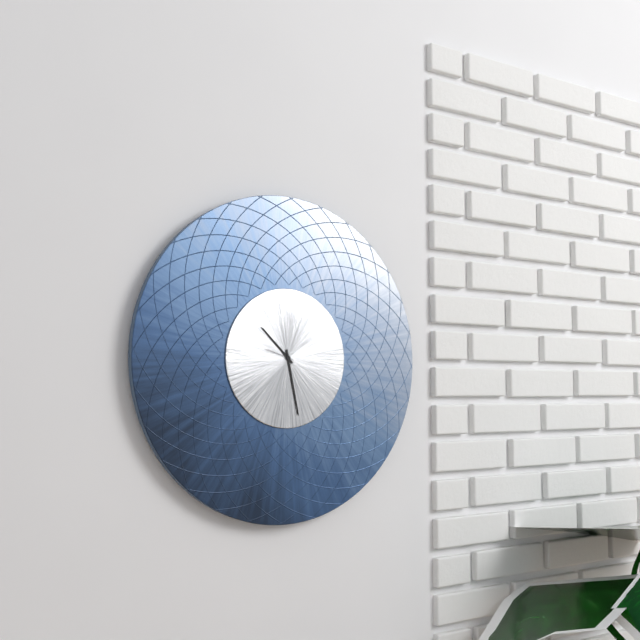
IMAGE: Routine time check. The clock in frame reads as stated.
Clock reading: 10:28
